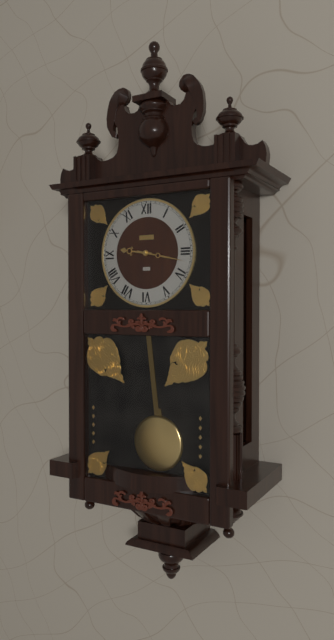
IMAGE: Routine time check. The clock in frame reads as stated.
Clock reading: 9:17
